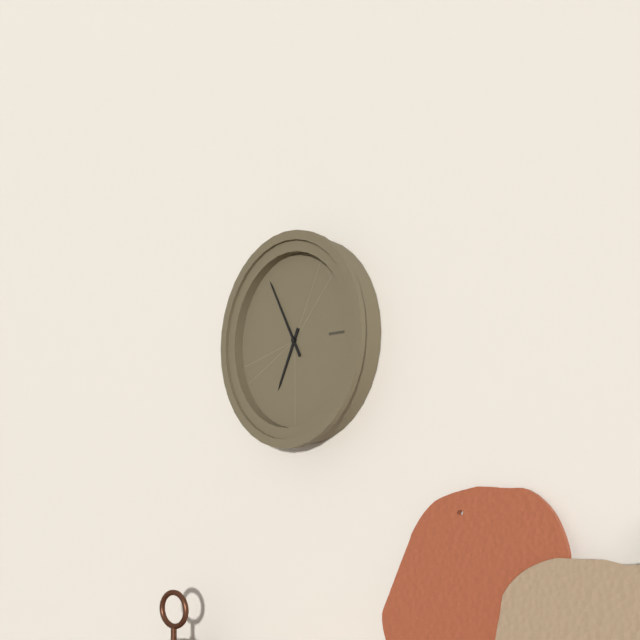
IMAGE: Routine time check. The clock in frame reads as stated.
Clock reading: 6:55
